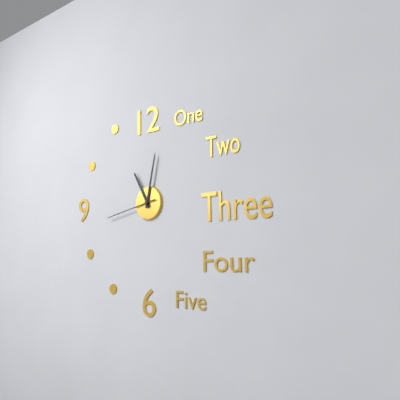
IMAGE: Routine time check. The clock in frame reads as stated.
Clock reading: 11:02:43
